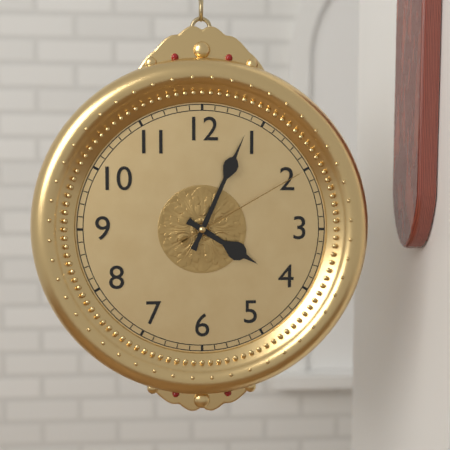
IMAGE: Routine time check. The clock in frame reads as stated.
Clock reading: 4:04:10
